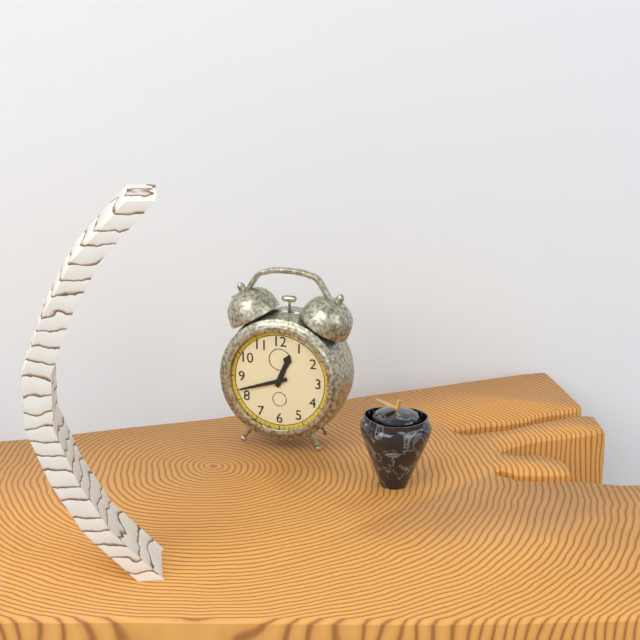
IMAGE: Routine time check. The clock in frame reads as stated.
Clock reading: 12:42
